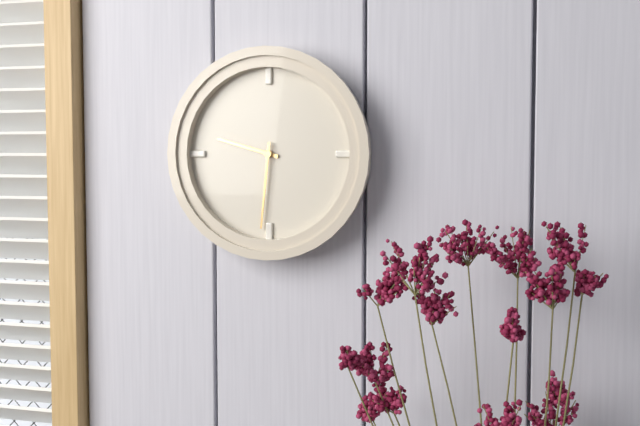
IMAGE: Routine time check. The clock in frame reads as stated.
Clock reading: 9:31
